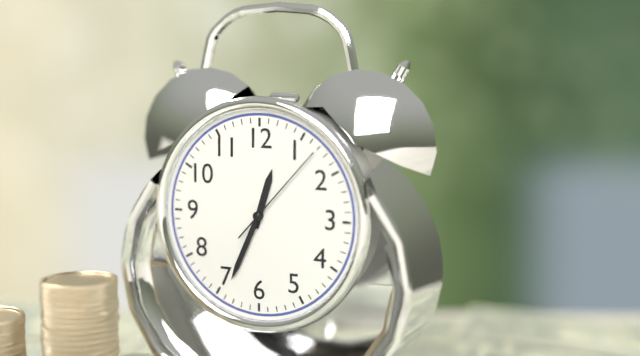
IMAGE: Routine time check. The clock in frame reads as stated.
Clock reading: 12:34:07
